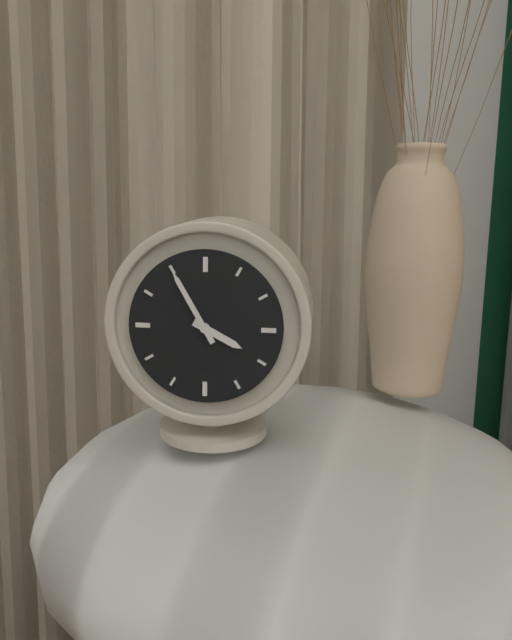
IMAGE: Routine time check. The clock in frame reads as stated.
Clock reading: 3:55
